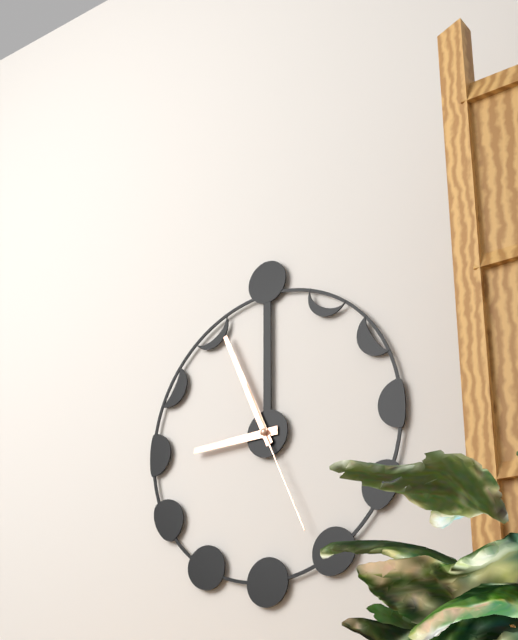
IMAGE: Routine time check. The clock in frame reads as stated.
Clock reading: 8:56:26
